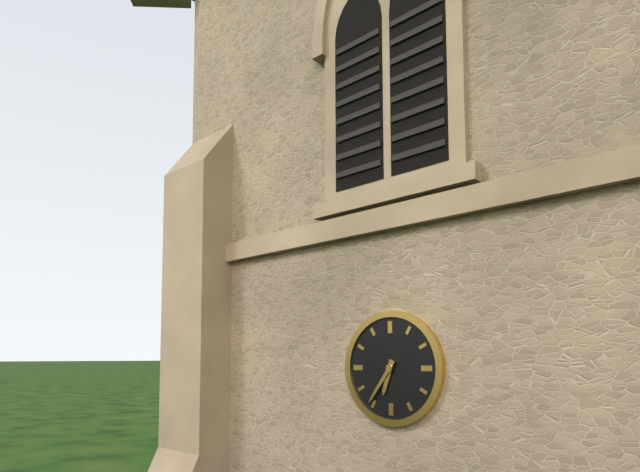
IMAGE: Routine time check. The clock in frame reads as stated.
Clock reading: 6:36
